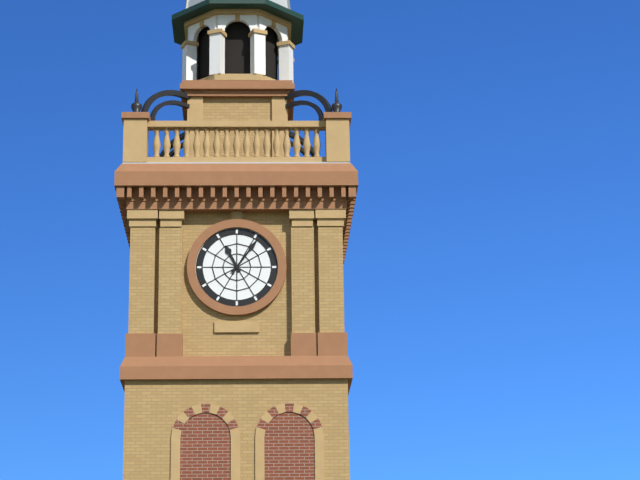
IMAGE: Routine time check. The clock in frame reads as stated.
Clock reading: 11:06
